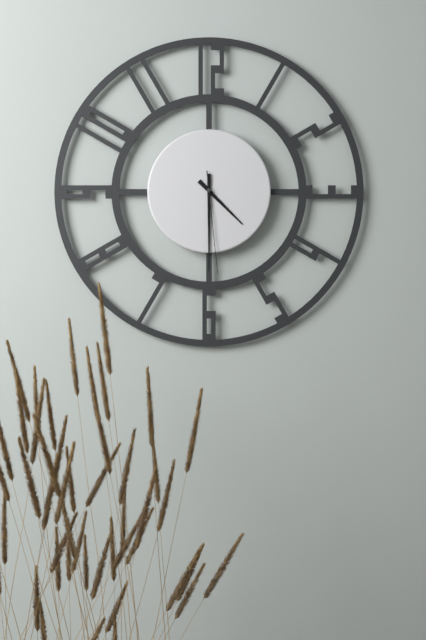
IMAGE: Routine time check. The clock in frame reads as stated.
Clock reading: 4:30:29
